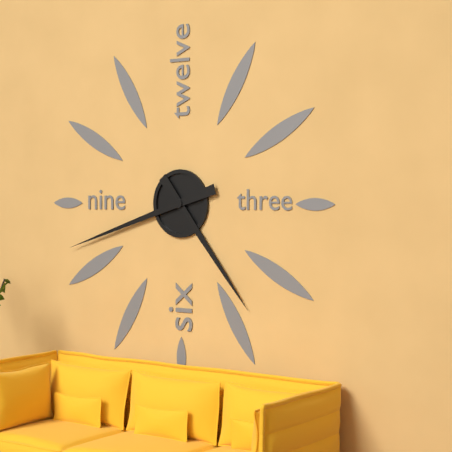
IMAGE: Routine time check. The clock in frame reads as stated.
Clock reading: 4:42
